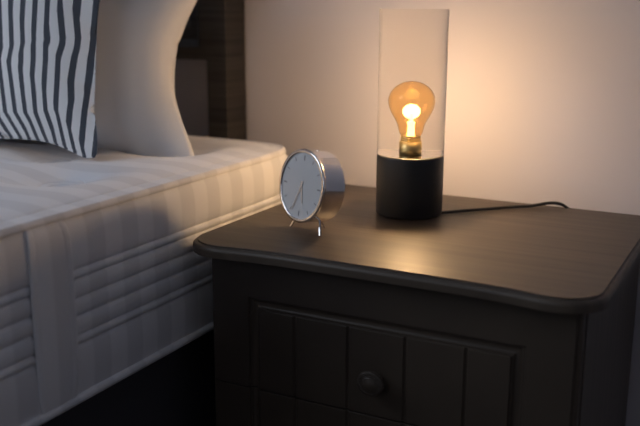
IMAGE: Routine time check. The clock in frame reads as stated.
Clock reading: 5:34
